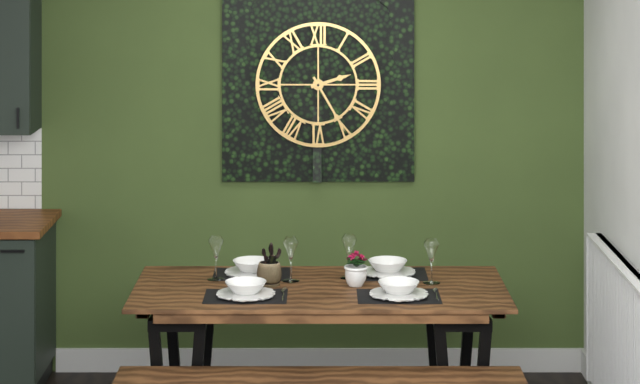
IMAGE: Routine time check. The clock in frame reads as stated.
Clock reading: 2:25
